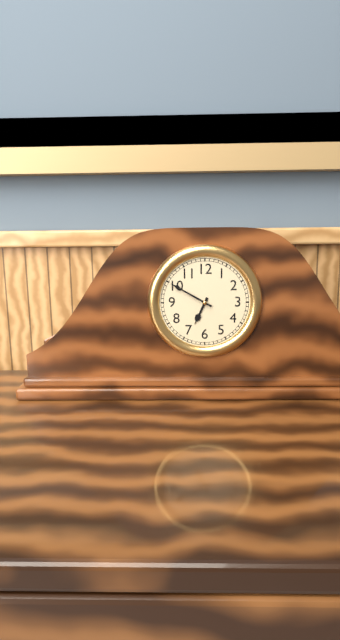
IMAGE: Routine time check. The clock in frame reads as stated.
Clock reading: 6:50
